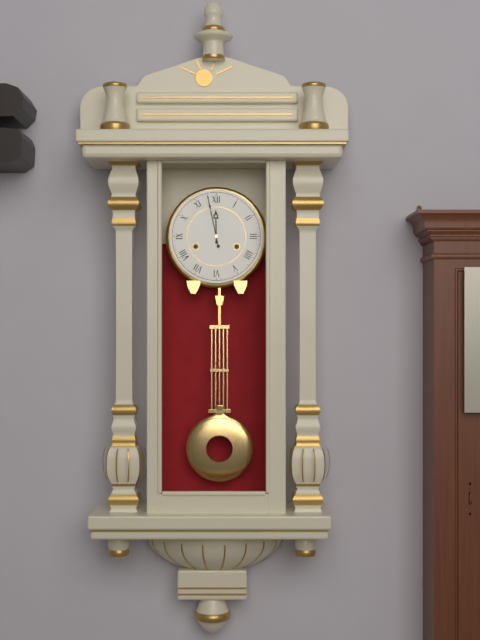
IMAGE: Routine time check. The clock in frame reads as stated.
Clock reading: 11:58
